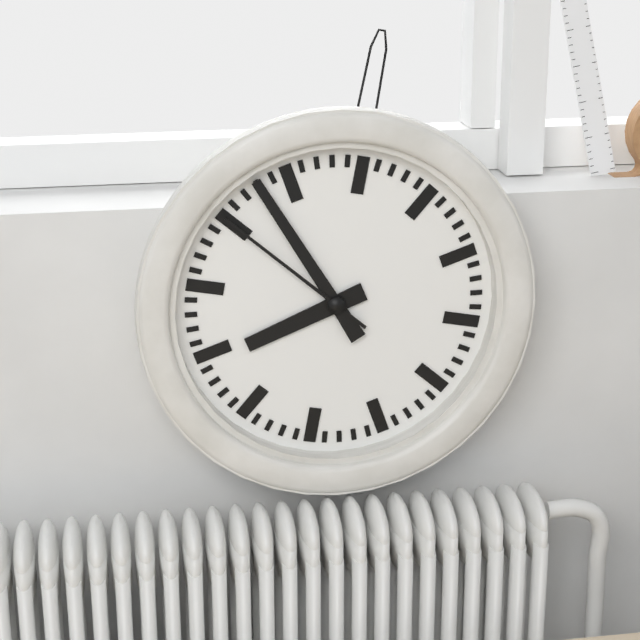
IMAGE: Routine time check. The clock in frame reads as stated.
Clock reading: 7:53:50
